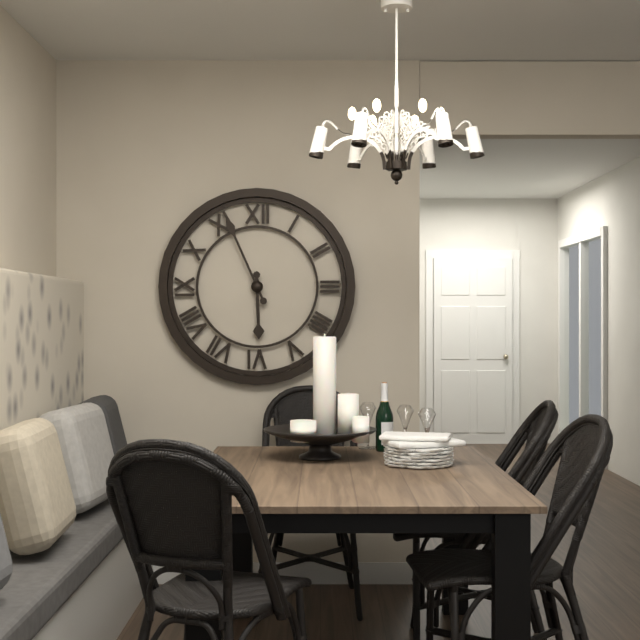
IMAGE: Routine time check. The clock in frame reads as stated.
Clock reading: 5:56
